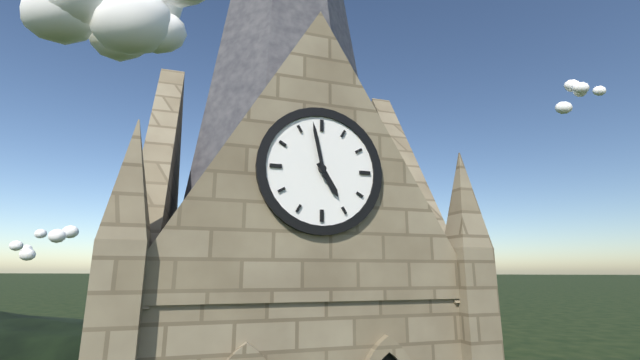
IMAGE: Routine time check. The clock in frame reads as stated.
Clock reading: 4:58
